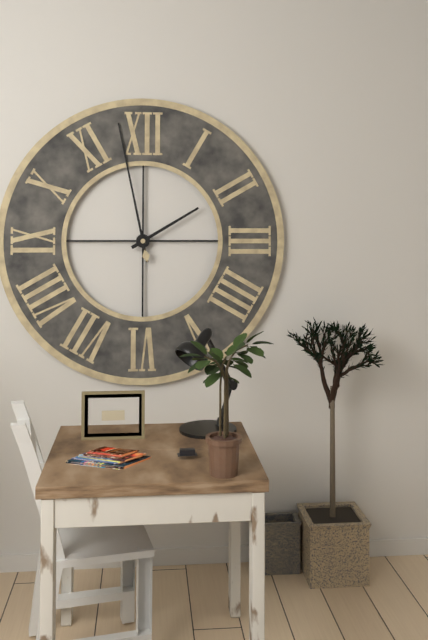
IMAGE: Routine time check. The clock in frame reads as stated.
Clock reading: 1:58
